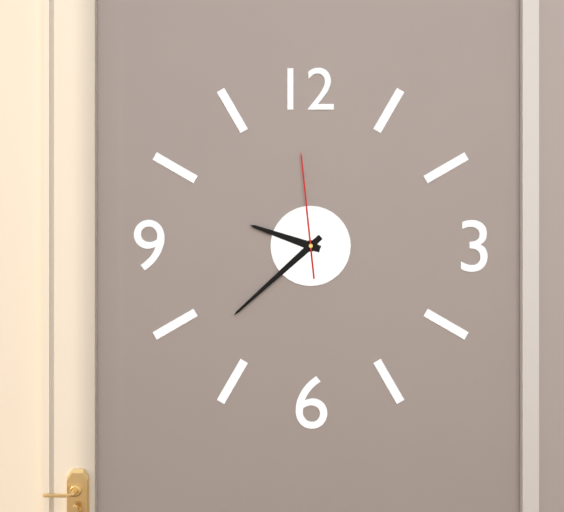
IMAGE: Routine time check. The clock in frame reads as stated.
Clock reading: 9:38:59
